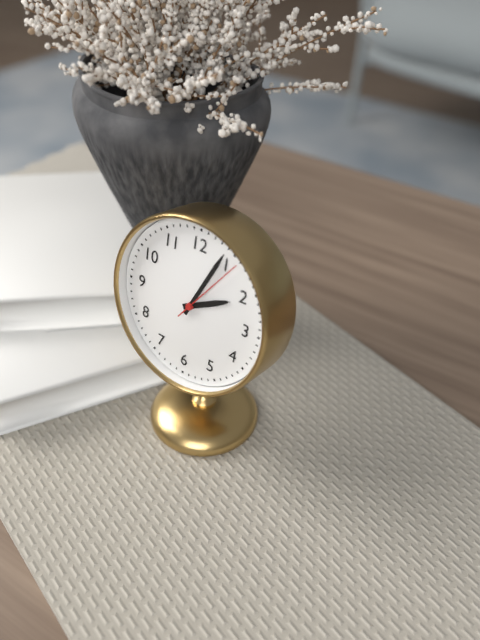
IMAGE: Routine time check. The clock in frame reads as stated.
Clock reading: 2:04:06
